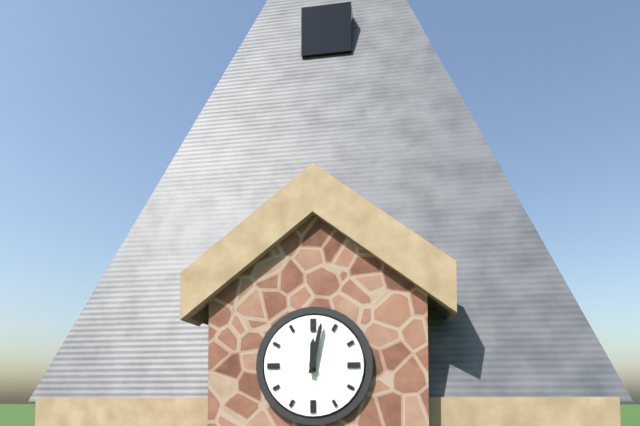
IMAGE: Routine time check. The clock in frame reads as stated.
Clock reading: 12:02
